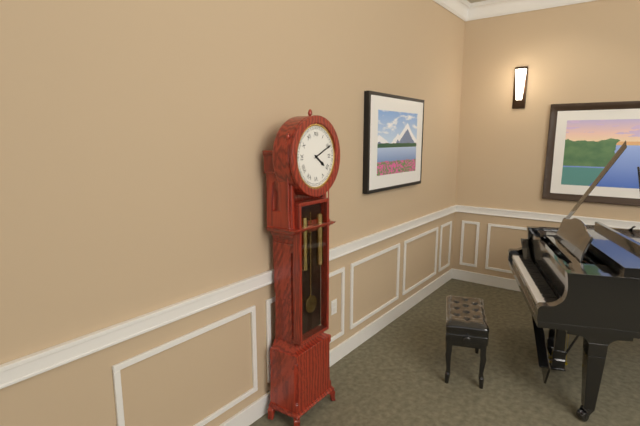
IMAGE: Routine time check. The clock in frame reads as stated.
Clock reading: 4:11
